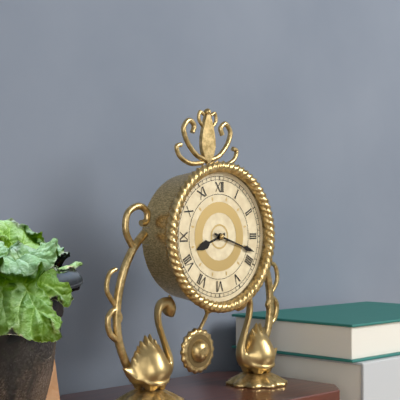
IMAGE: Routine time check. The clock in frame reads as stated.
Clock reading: 8:18
